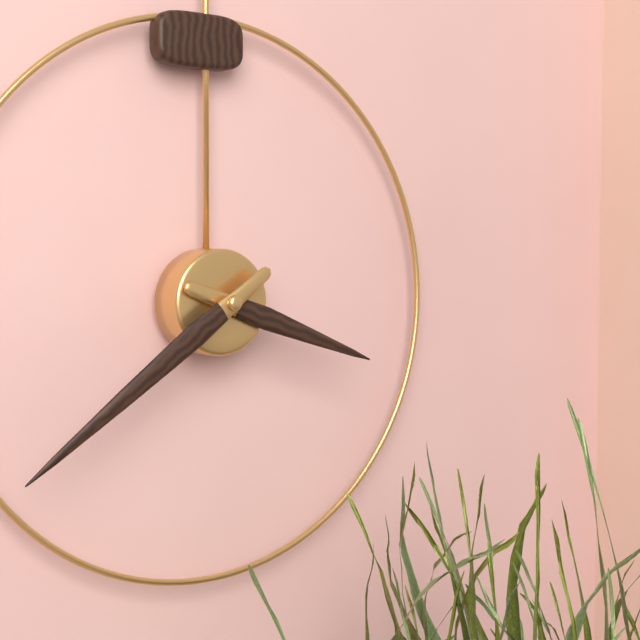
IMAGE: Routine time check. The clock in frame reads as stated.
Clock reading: 3:39
